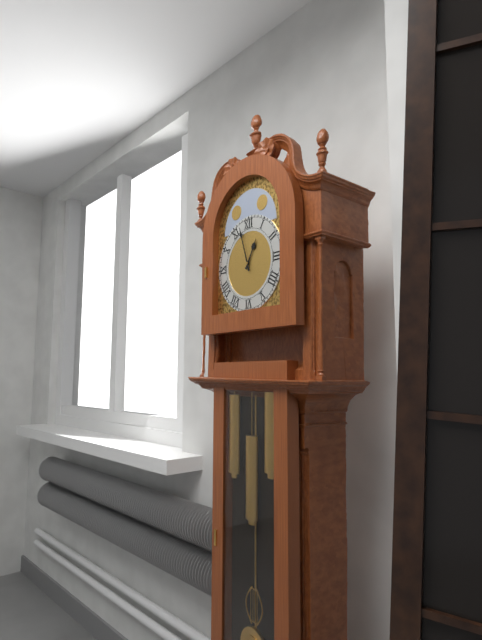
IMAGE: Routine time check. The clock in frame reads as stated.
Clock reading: 12:57
